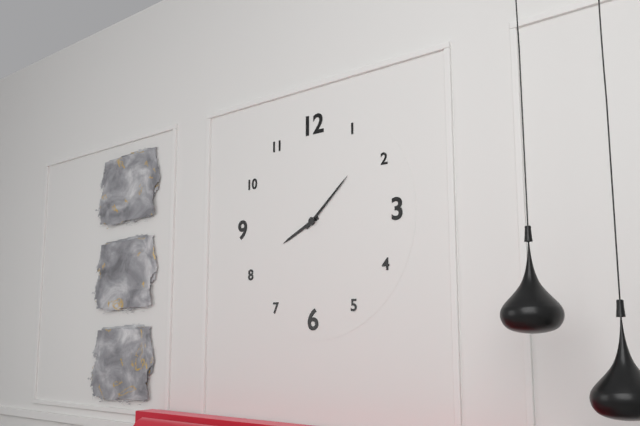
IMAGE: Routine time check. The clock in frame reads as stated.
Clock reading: 8:08
